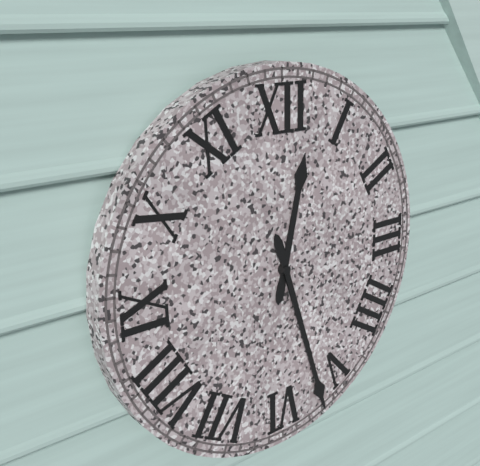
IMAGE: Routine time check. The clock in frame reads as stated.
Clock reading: 12:27
